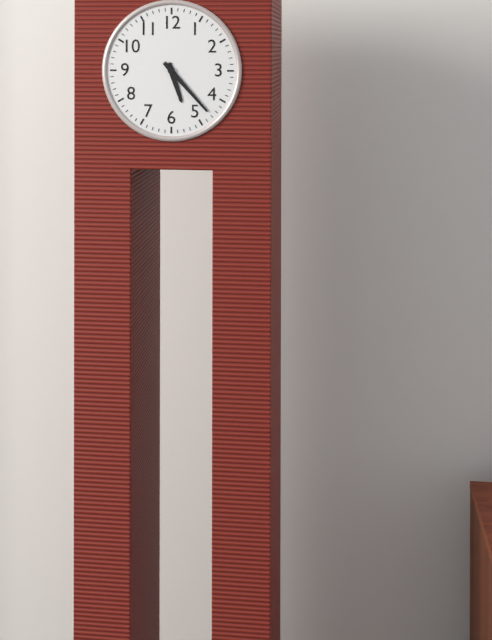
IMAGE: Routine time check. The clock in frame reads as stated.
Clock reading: 5:23
